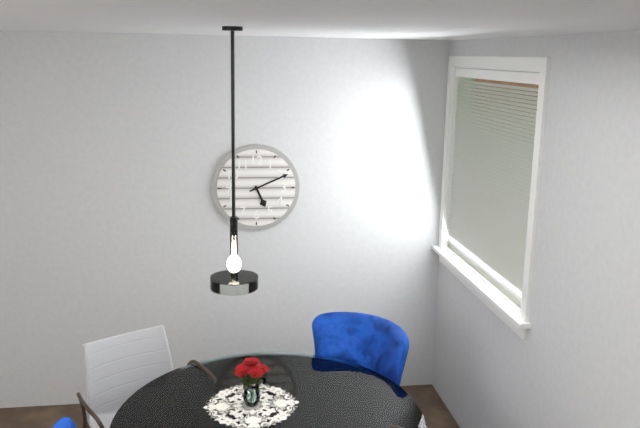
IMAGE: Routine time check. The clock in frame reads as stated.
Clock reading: 5:11
